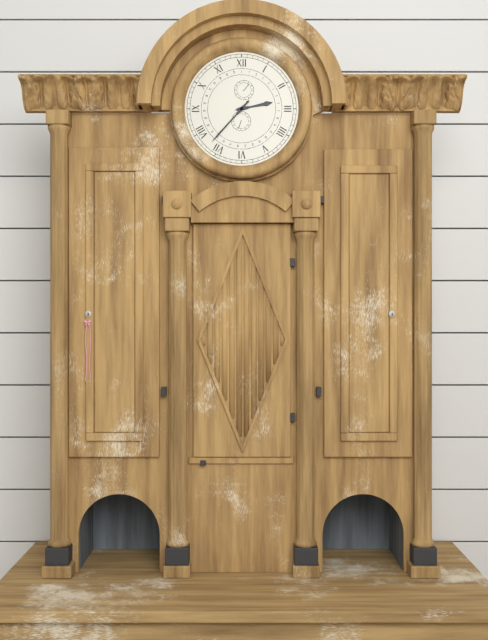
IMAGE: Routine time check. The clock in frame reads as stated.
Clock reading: 2:37
